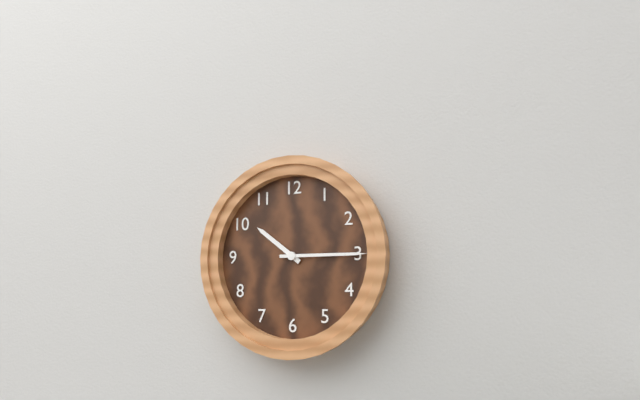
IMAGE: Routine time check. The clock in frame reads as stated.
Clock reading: 10:15
